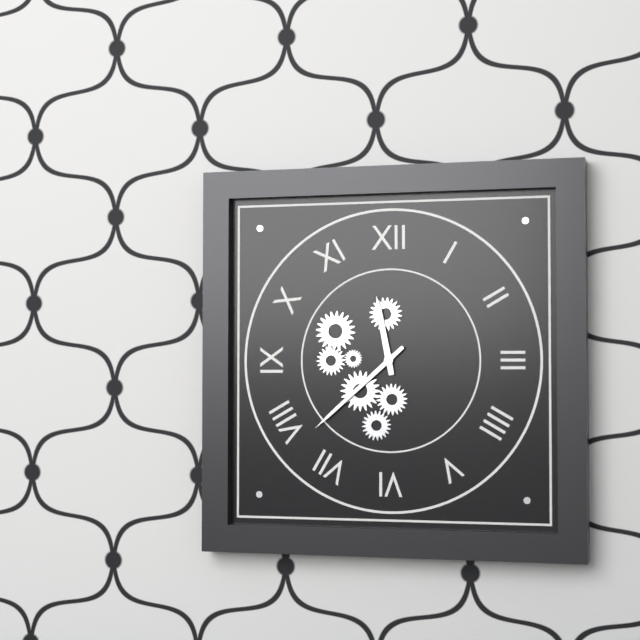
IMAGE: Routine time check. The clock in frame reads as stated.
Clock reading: 11:38
